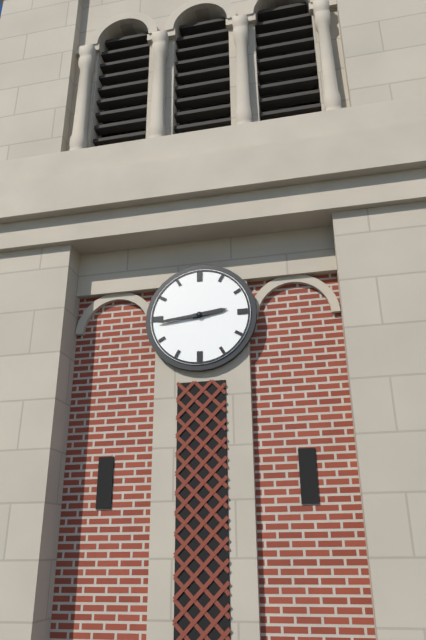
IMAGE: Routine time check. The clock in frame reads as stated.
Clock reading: 2:44
